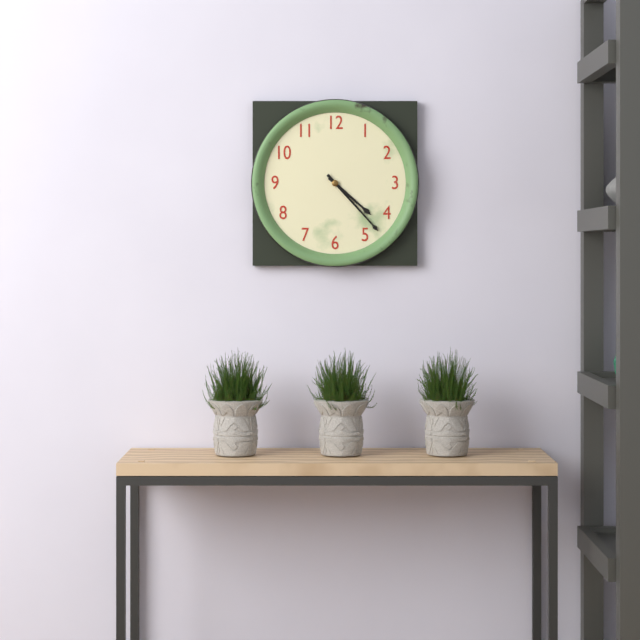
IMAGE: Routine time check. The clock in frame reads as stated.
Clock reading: 4:23
